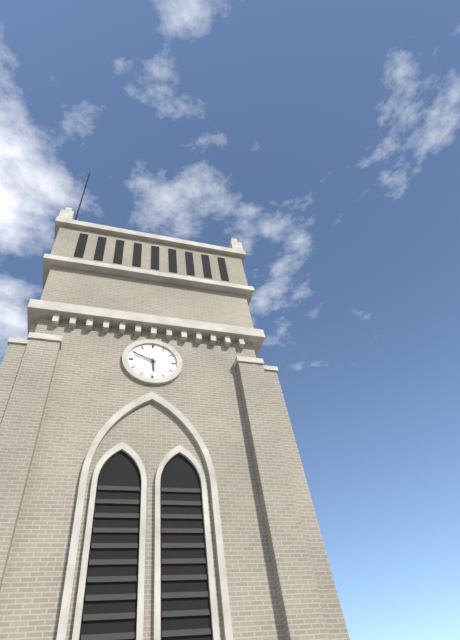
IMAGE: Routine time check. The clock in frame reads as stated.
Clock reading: 5:49
